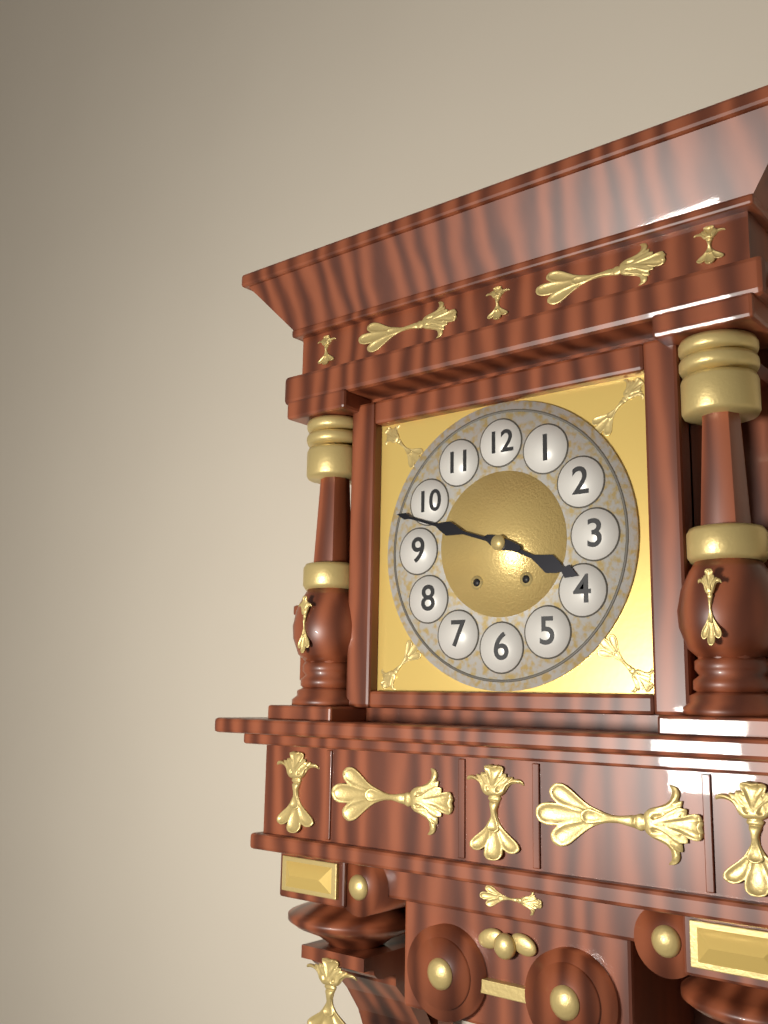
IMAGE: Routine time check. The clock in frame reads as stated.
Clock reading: 3:48
